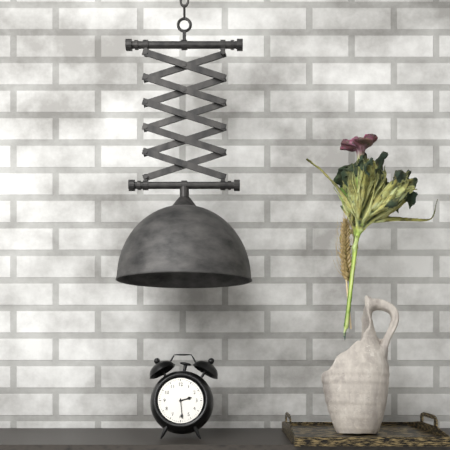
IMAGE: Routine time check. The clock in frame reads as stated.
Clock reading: 2:29
